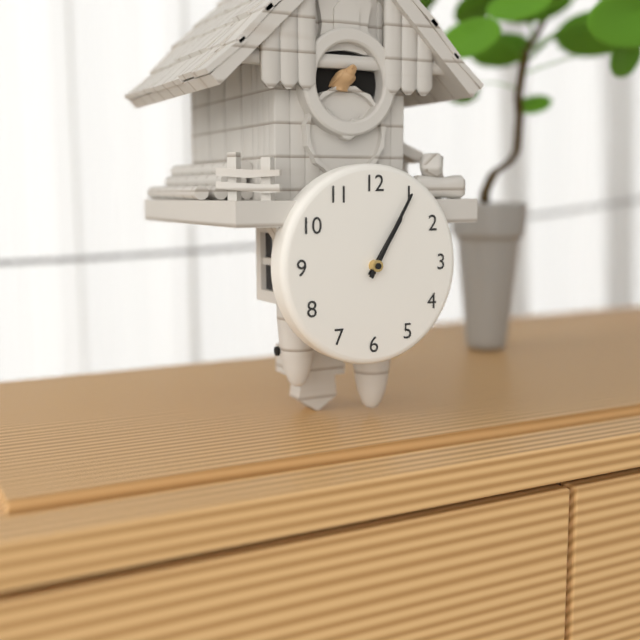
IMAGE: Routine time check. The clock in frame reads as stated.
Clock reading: 1:05
